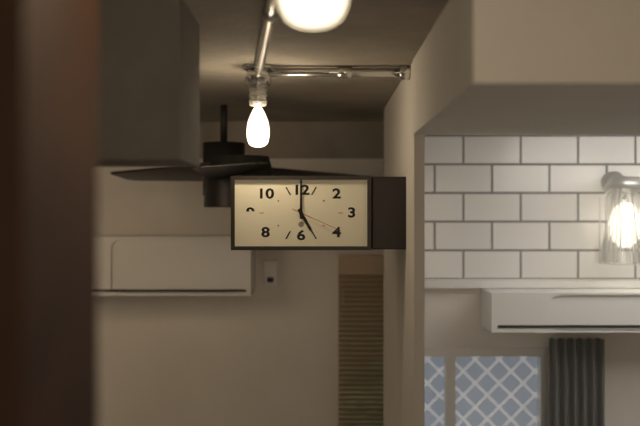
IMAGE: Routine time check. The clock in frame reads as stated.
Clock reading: 5:00:19
